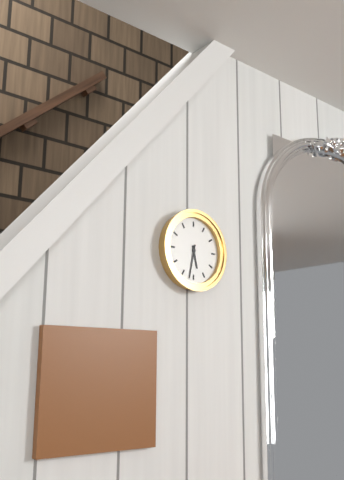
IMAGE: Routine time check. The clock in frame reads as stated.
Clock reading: 5:32
